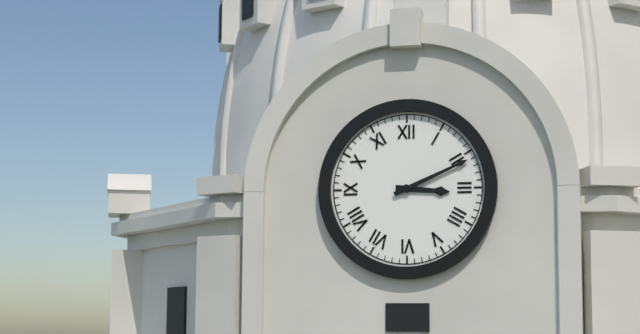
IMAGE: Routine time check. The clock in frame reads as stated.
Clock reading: 3:11
